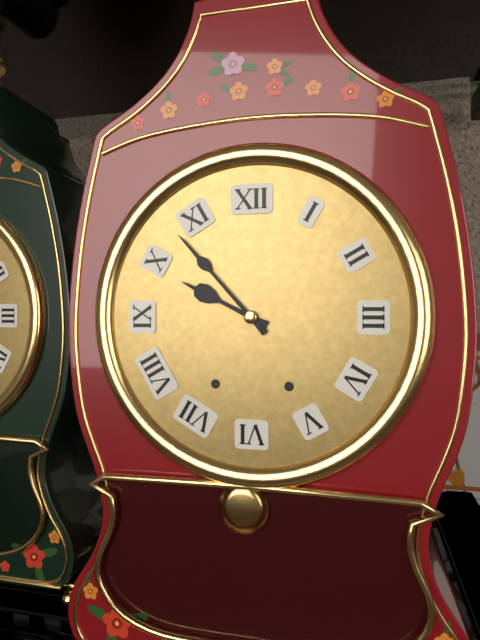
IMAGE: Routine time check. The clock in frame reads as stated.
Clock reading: 9:53
